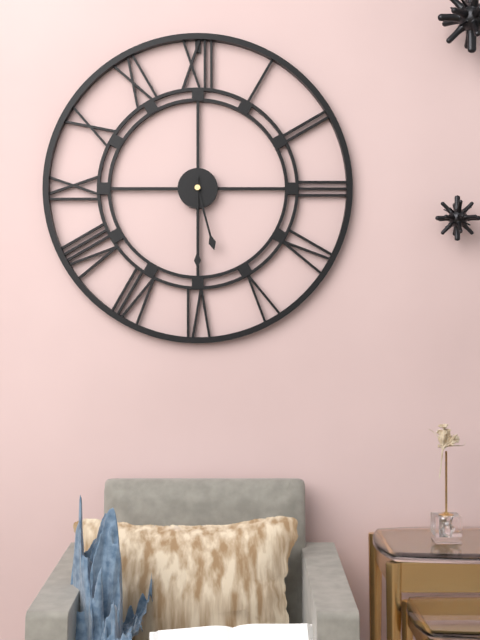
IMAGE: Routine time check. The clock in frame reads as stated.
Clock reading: 5:30
